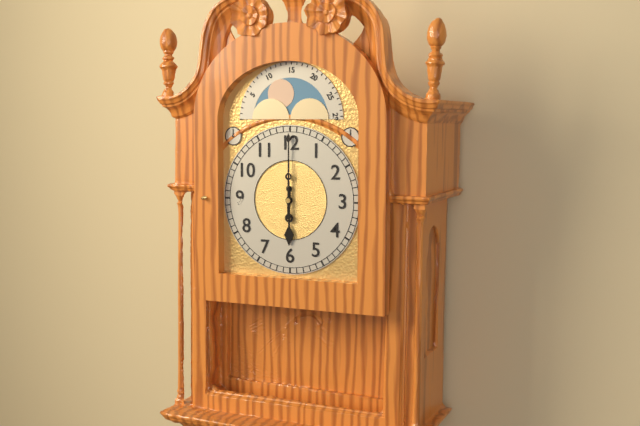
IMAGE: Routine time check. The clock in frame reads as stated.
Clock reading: 6:00
